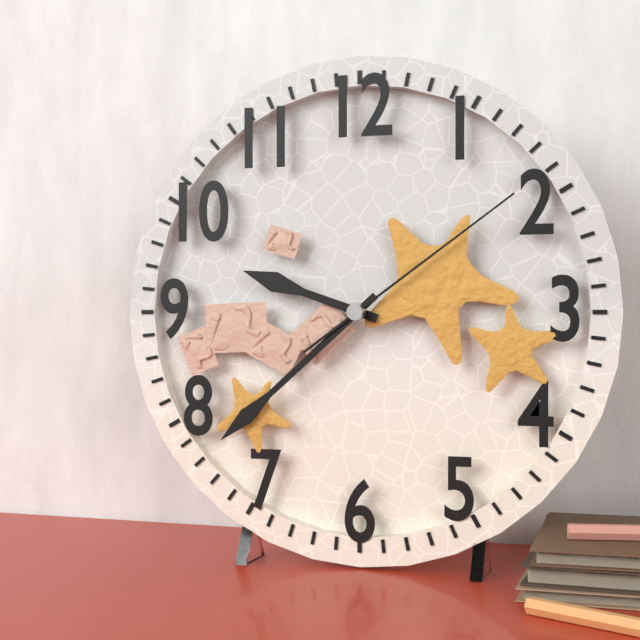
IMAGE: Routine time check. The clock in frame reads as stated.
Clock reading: 9:38:09
